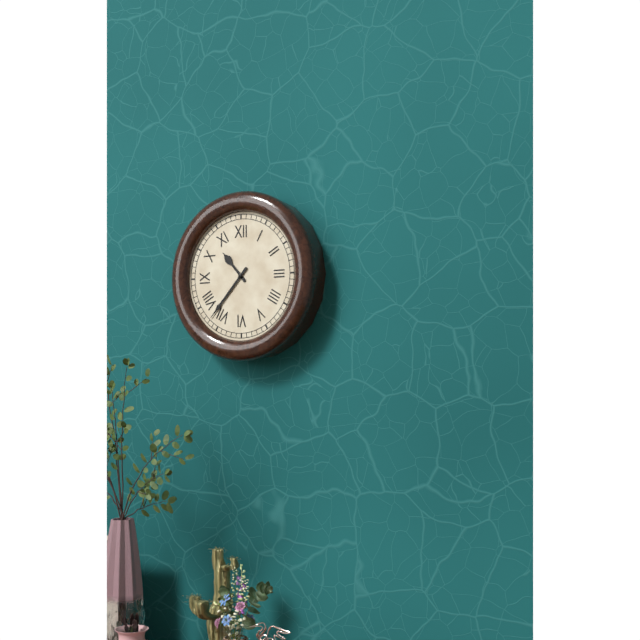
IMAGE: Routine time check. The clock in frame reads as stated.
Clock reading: 10:37
